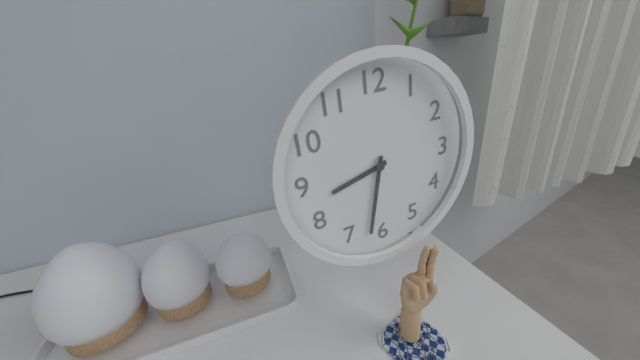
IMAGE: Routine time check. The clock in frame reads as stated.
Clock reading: 8:32
